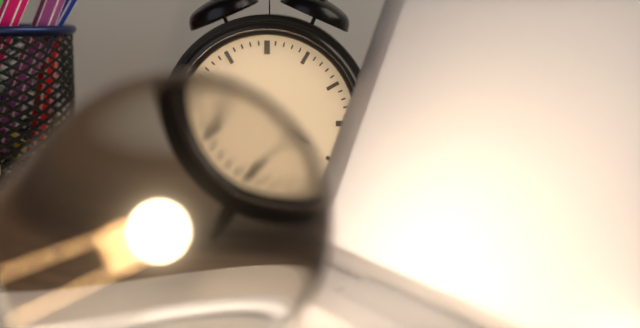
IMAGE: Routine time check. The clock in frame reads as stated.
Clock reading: 3:51
